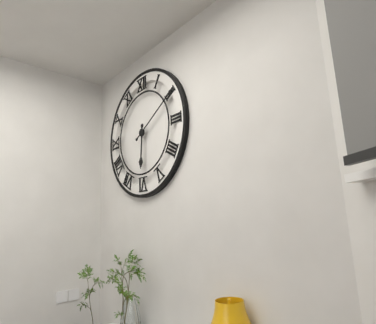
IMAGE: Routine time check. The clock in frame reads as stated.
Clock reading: 6:10
